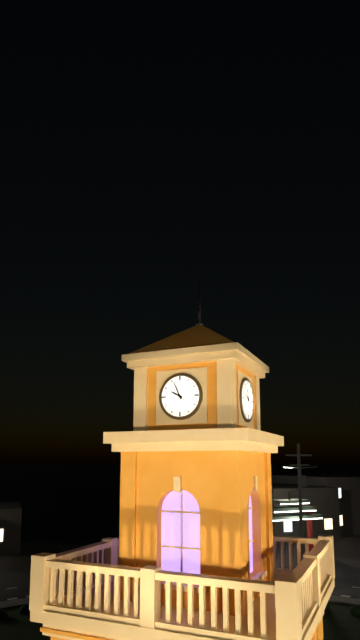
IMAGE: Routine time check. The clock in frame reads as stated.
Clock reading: 9:56
